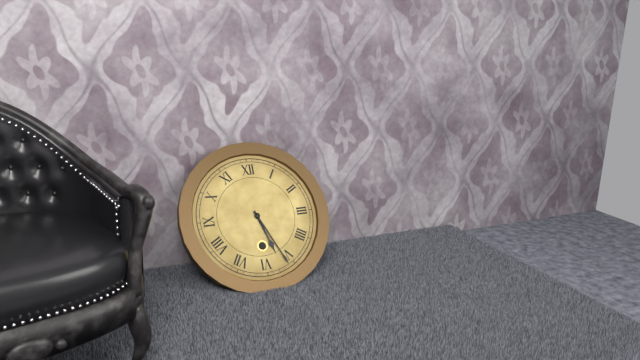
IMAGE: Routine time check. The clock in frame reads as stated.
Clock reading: 5:26
